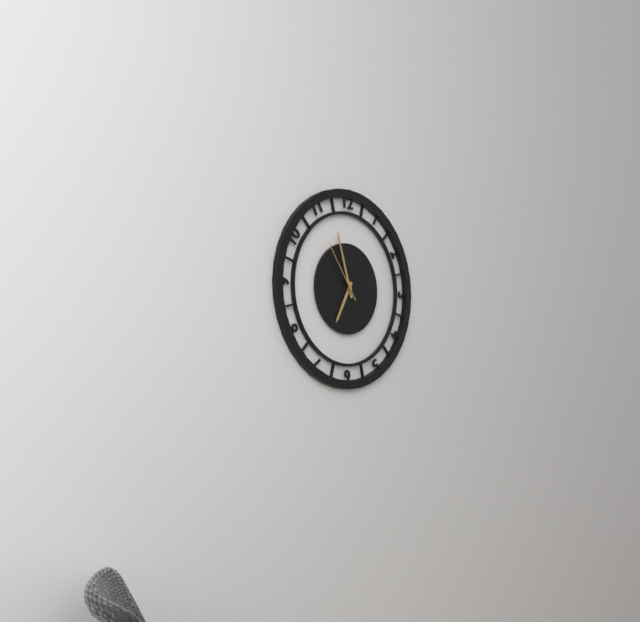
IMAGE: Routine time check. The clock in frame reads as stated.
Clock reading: 6:57:54
